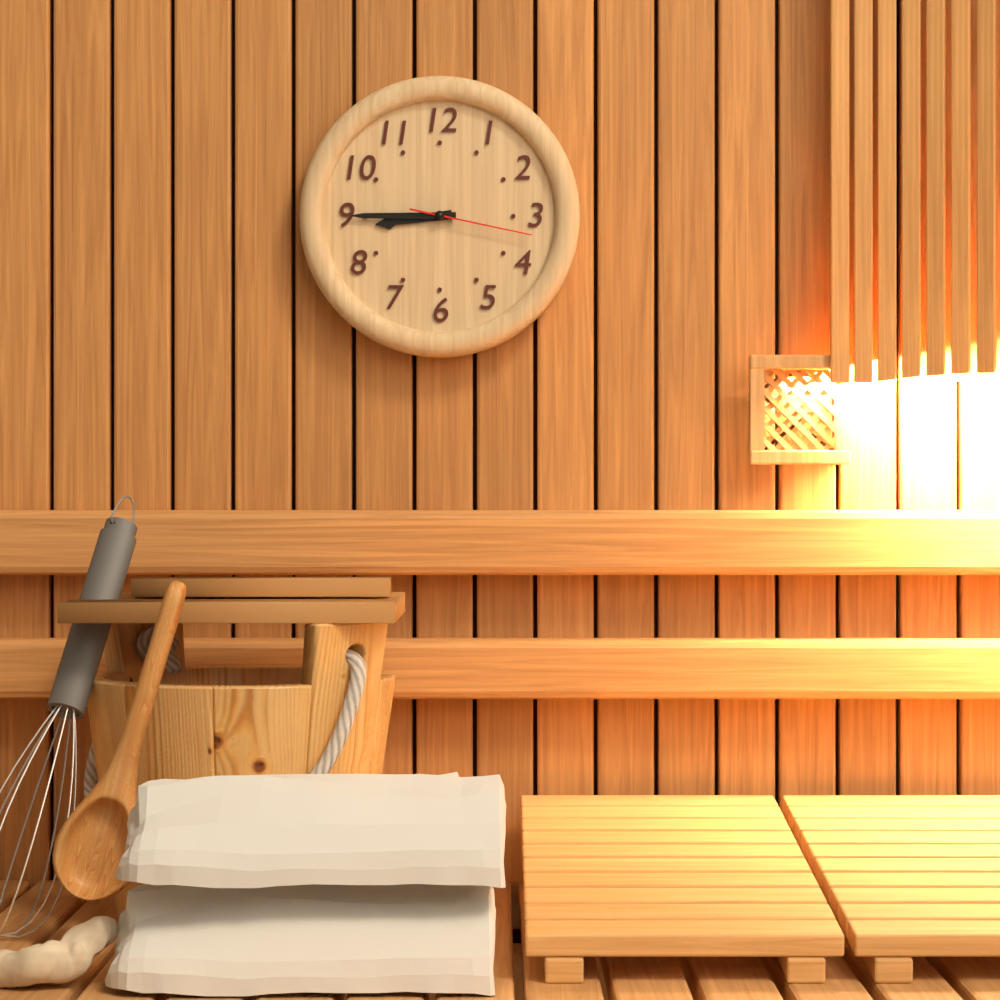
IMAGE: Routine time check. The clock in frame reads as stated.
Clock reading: 8:45:17
